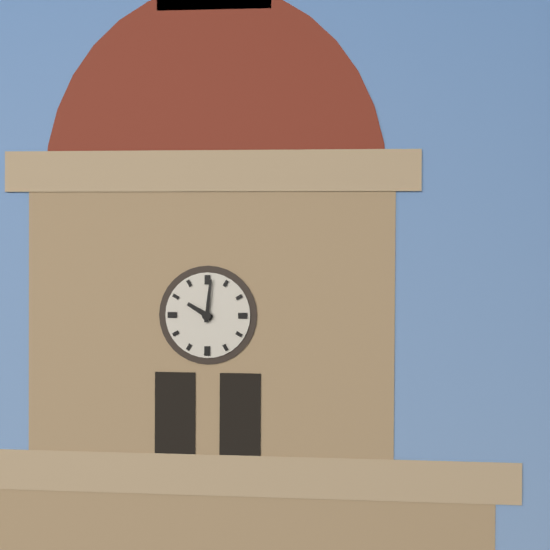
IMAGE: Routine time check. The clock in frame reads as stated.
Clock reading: 10:01
